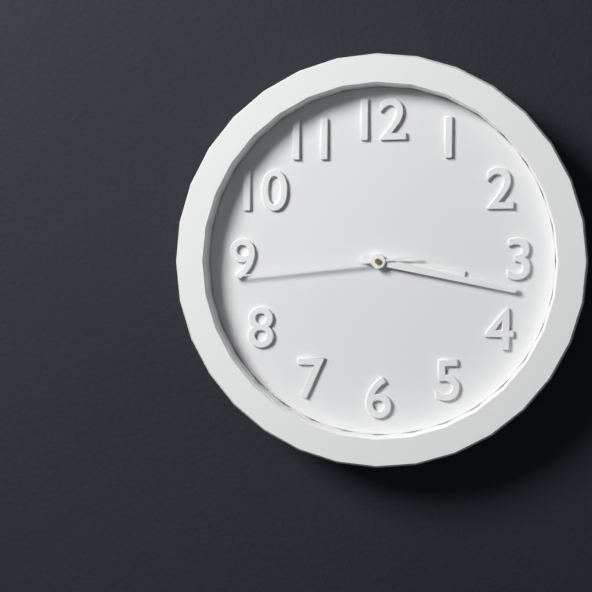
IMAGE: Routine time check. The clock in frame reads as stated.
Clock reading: 3:17:44
